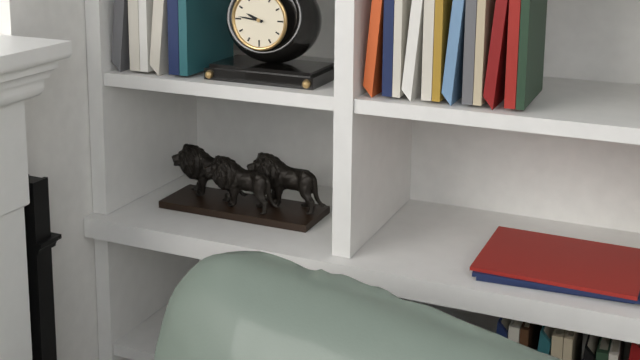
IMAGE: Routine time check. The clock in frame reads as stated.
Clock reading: 9:46
